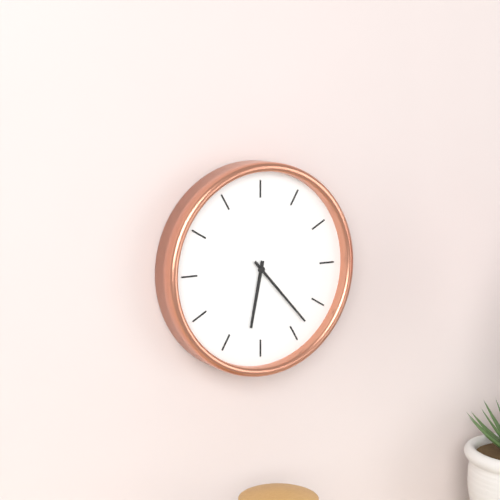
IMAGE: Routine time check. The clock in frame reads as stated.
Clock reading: 6:23
